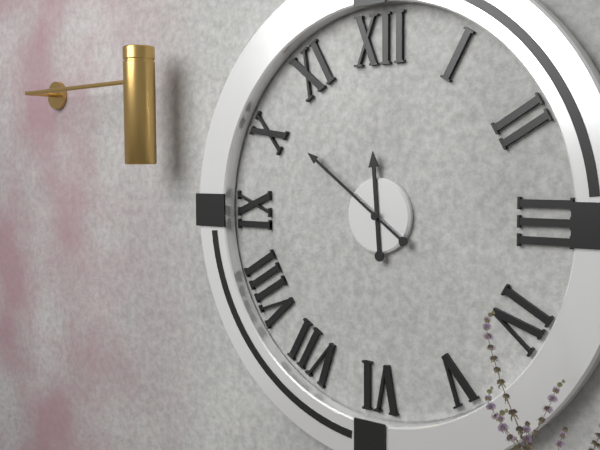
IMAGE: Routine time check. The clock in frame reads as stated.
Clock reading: 11:51
